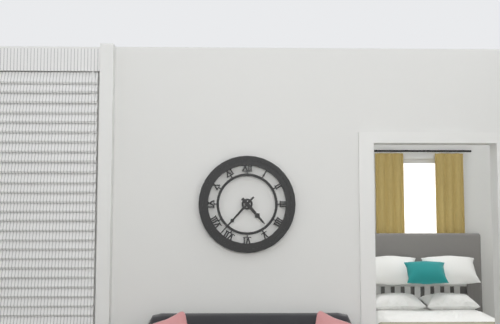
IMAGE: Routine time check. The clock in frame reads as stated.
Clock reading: 4:37
